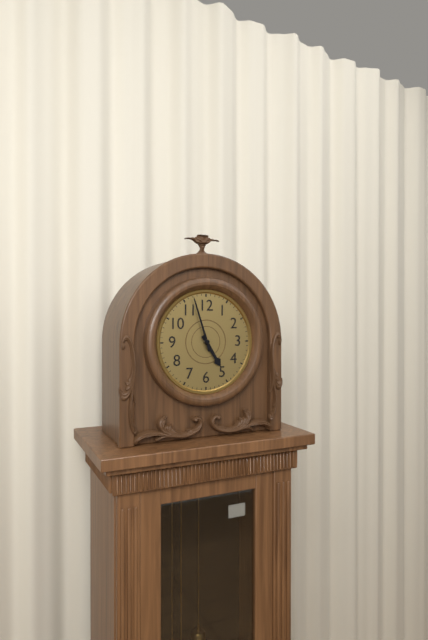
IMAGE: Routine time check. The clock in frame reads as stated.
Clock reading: 4:57
